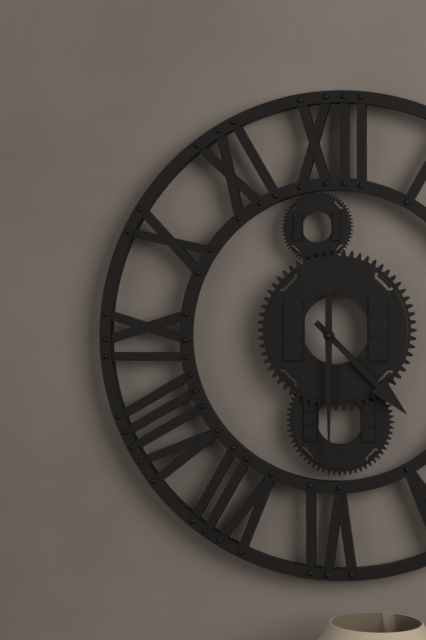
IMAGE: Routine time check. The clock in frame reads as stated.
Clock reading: 4:30
